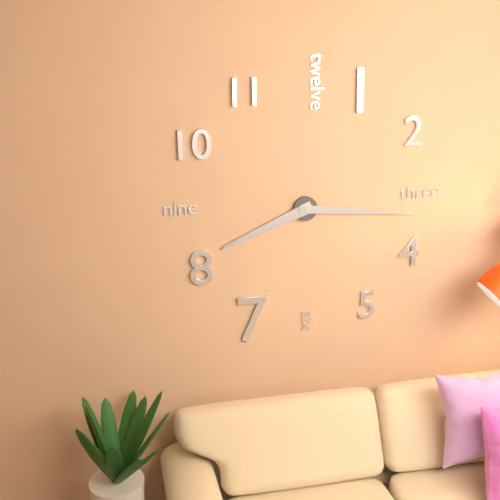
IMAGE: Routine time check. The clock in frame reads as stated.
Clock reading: 8:16
